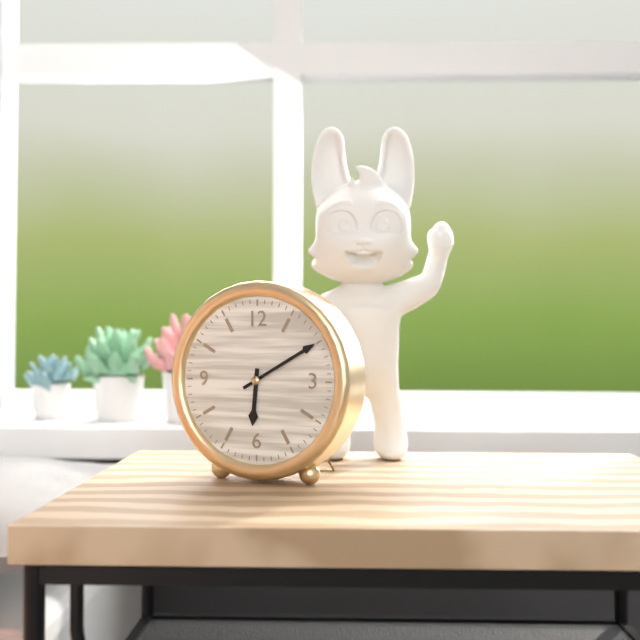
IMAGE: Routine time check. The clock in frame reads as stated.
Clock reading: 6:10
